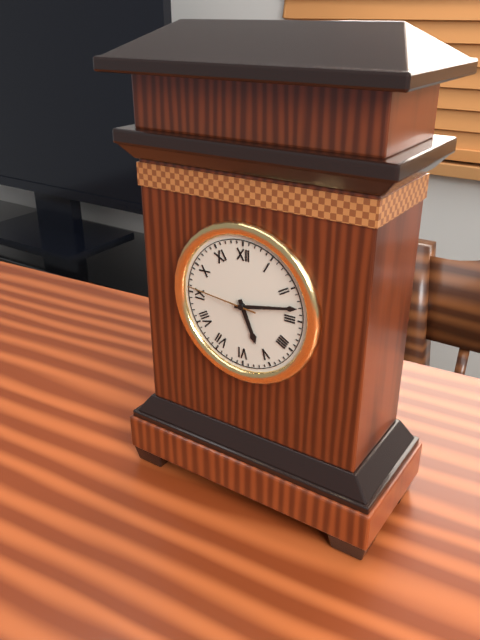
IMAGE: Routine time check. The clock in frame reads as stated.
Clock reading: 5:13:46
